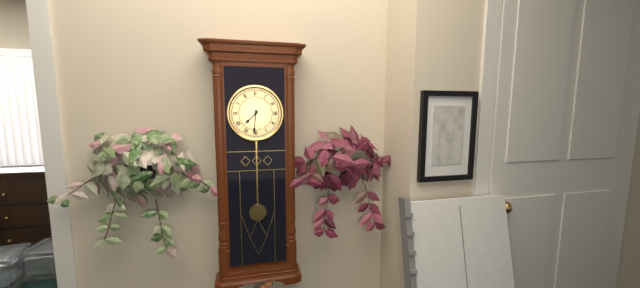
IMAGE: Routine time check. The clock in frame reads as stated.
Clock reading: 7:31
